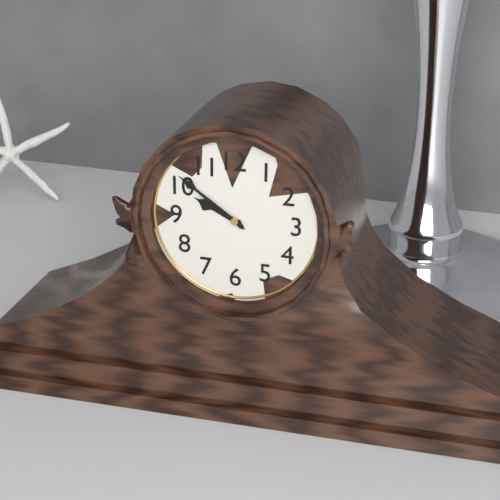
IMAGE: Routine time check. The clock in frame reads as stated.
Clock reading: 9:51
